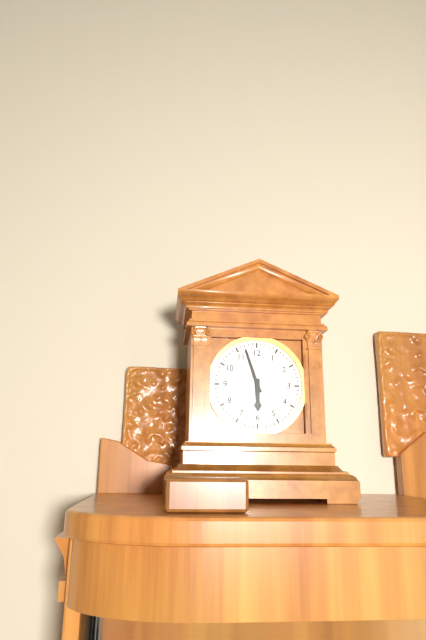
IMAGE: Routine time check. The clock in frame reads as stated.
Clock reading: 5:57
